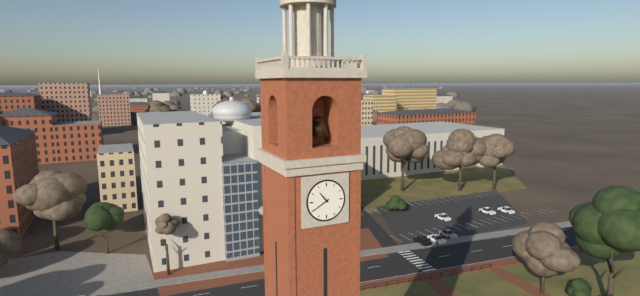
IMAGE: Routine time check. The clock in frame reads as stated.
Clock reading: 10:40
